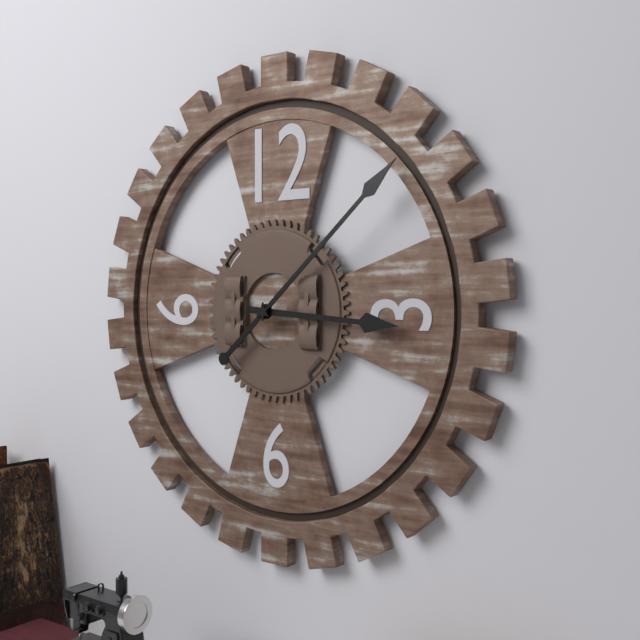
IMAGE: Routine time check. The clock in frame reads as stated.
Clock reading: 3:08
